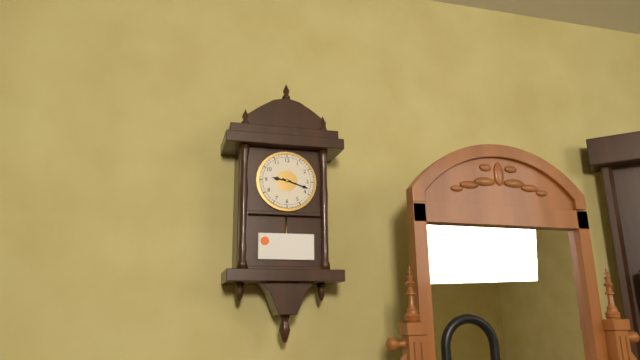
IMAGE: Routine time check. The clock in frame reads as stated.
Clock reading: 9:18
